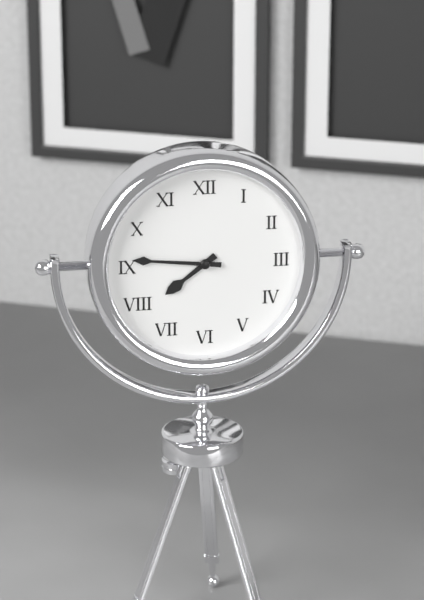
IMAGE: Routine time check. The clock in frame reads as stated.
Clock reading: 7:46
